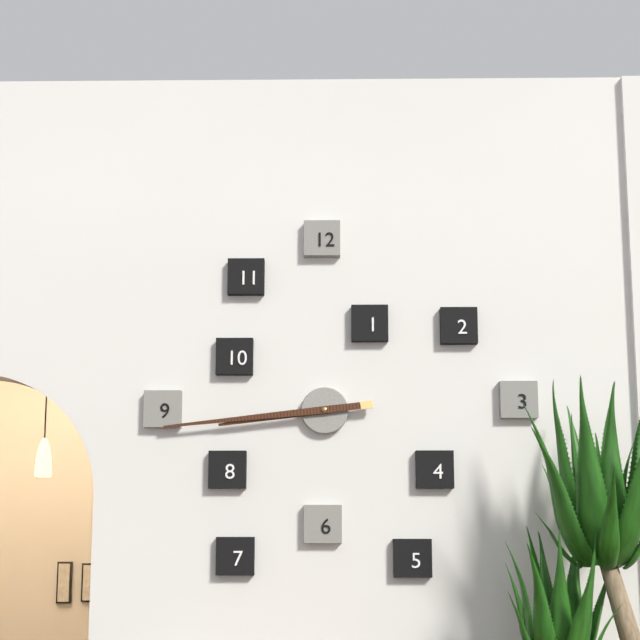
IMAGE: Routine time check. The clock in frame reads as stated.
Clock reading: 8:44
